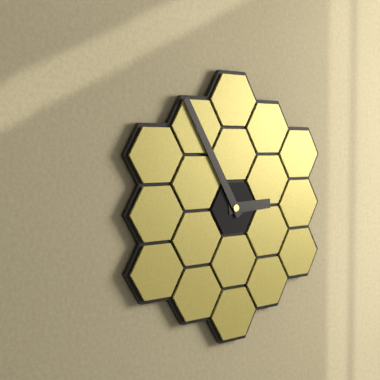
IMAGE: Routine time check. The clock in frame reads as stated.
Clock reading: 2:55
